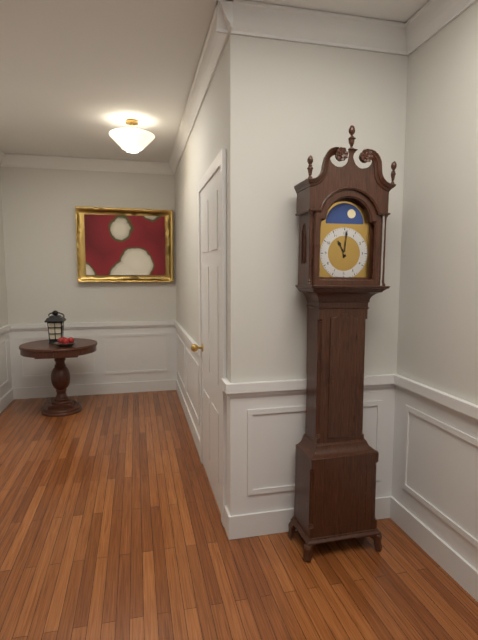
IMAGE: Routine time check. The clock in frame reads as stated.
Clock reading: 11:01
